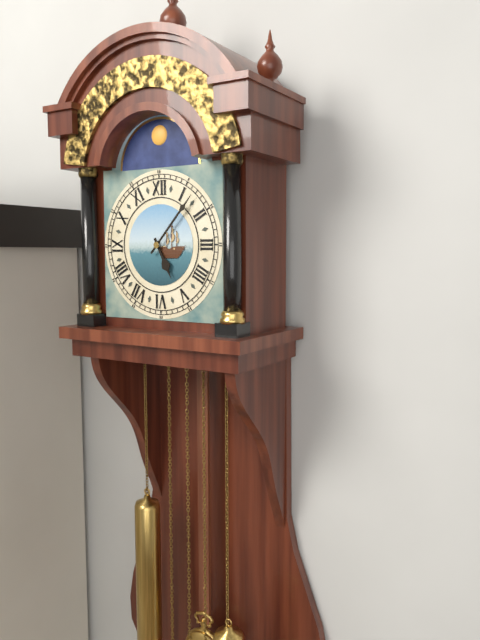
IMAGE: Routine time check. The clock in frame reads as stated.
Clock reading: 5:07
